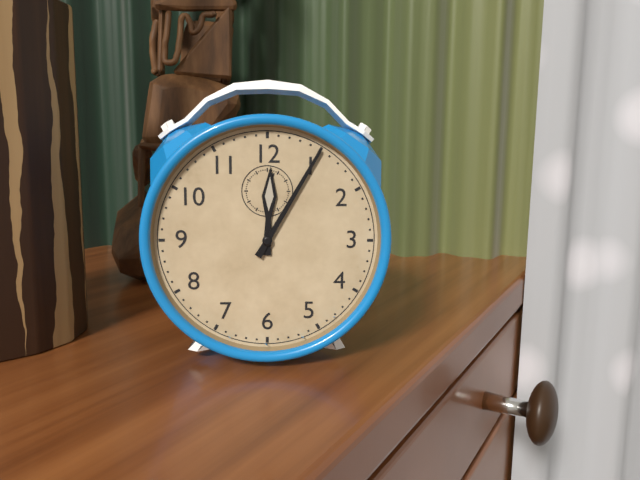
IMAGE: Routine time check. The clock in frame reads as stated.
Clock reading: 12:05
